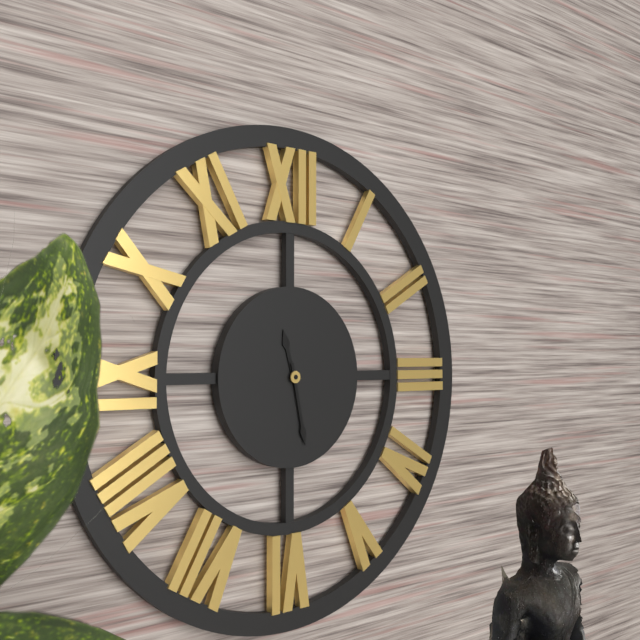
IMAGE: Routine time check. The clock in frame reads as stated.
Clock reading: 11:28
